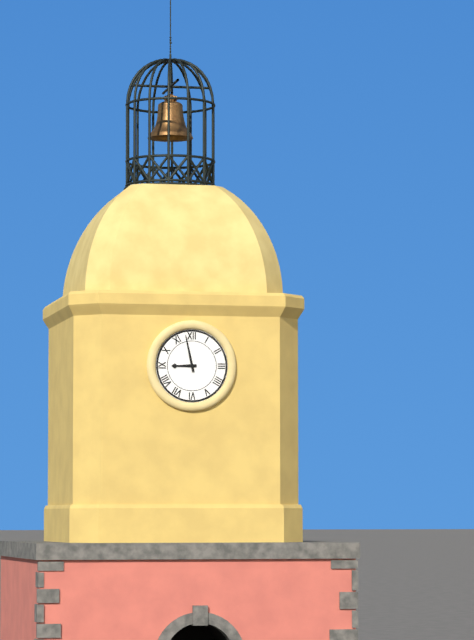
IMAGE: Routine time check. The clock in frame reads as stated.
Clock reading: 8:58
